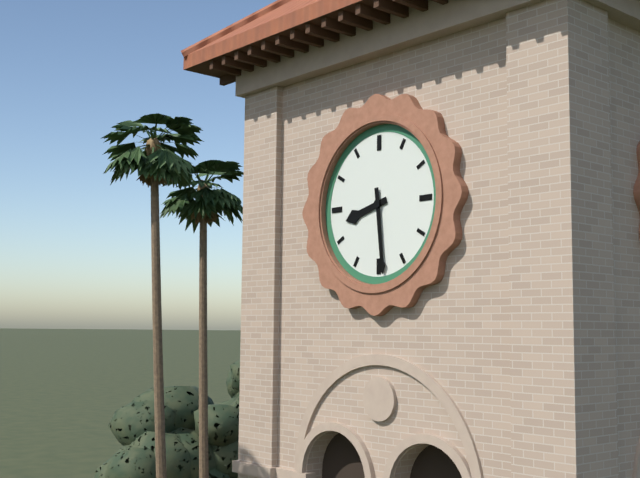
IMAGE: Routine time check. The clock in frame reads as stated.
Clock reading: 8:29
